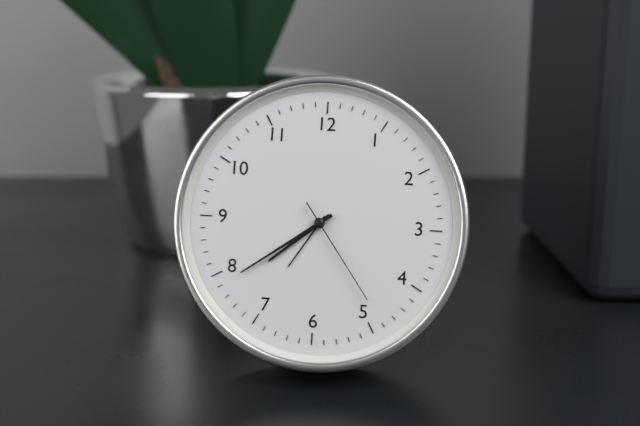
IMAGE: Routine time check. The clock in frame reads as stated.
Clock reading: 7:39:24
